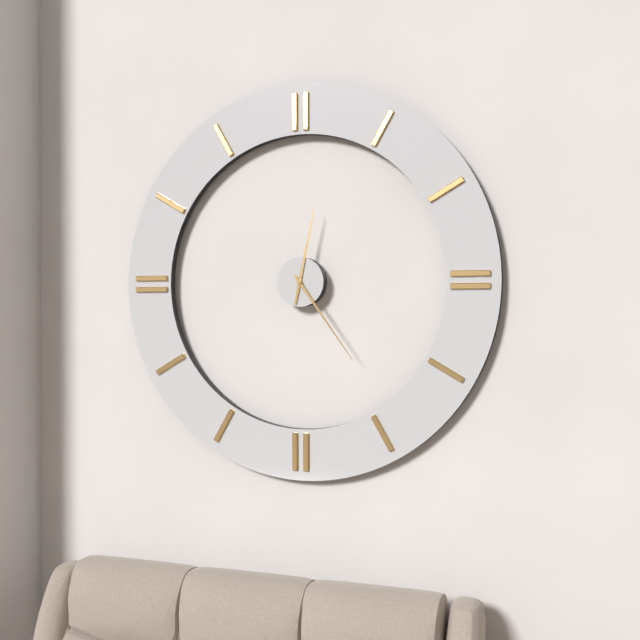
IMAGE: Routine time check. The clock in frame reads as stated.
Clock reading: 12:24
